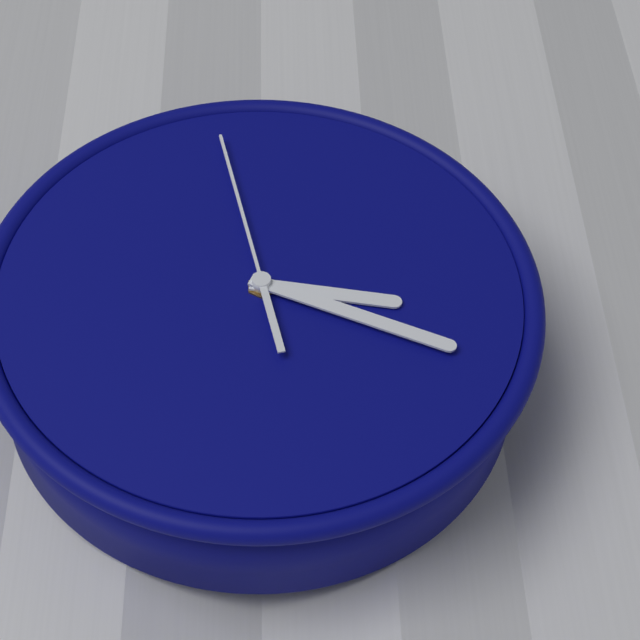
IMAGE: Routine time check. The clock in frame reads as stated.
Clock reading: 3:19:58
